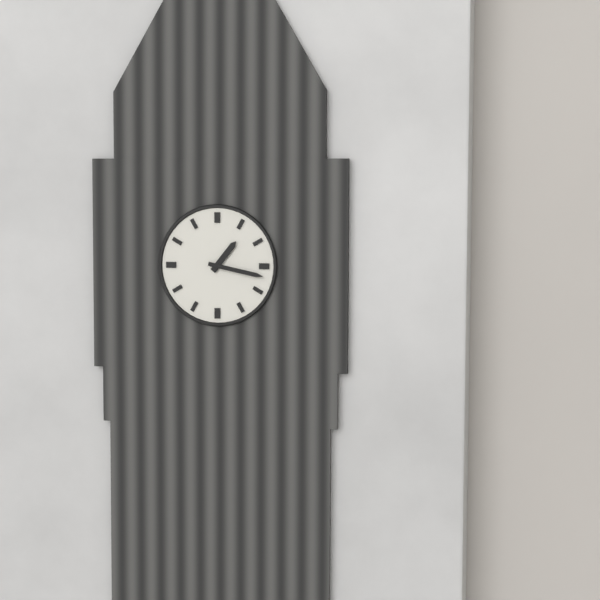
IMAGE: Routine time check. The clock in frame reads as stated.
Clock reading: 1:17
